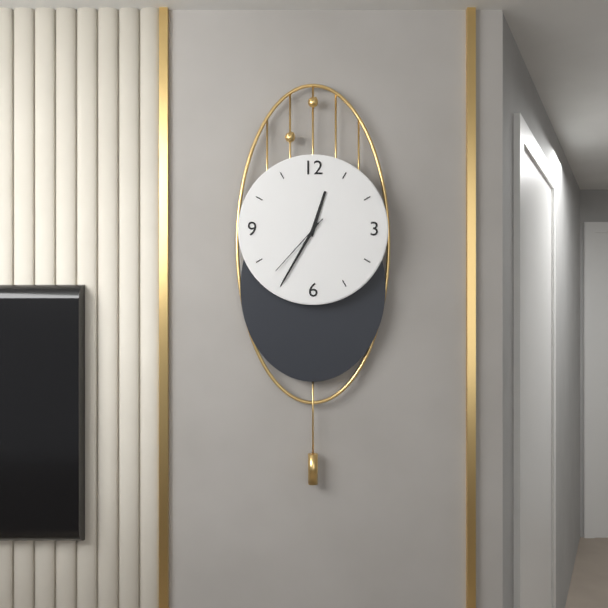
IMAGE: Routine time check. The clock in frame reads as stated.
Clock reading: 12:35:37
